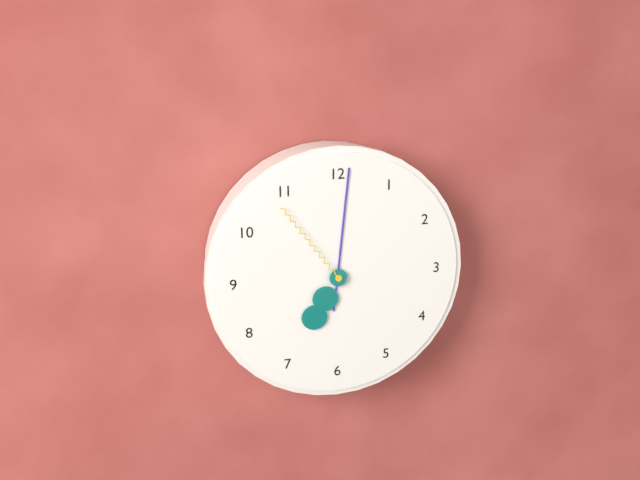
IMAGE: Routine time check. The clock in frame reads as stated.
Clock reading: 7:01:54
